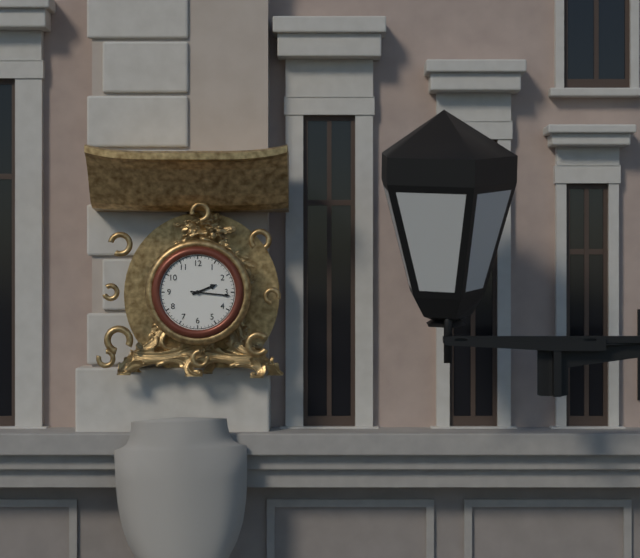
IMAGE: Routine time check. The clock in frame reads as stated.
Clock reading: 2:16
